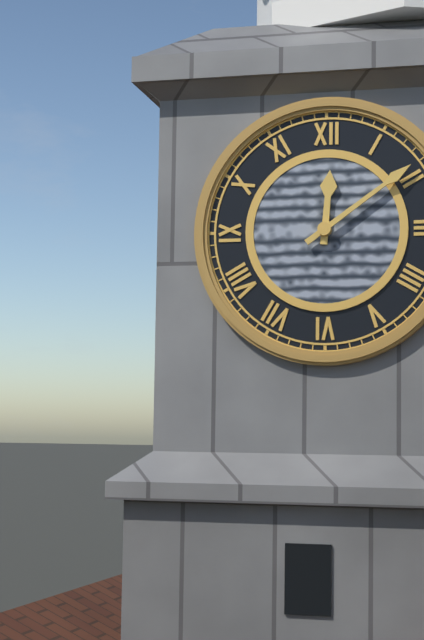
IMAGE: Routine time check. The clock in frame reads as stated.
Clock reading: 12:09
